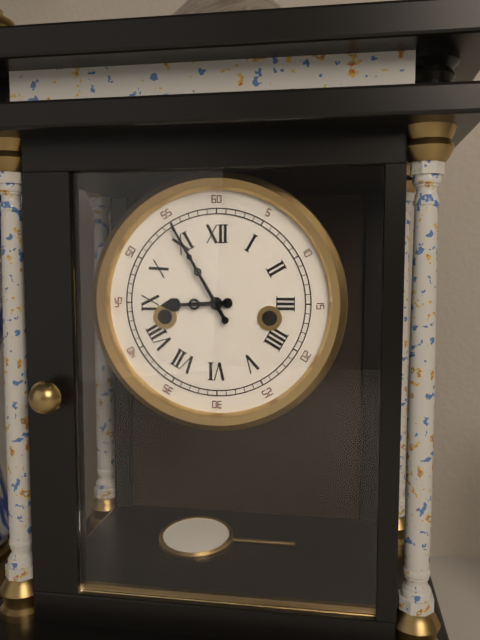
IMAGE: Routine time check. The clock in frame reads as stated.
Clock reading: 8:55
